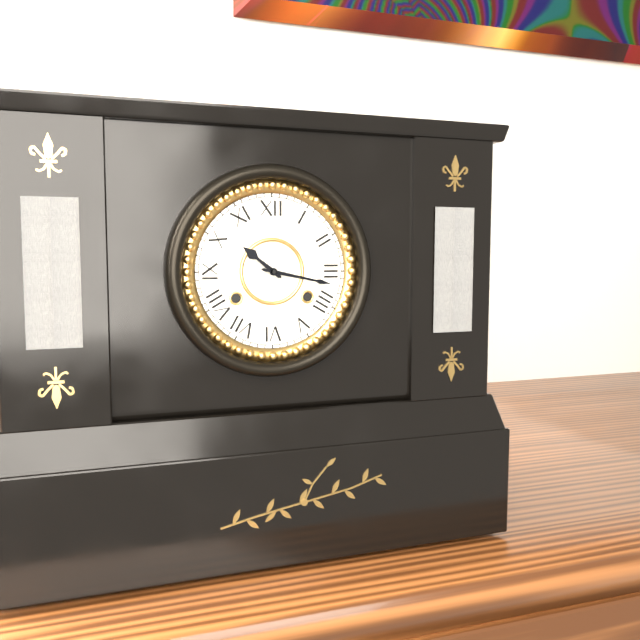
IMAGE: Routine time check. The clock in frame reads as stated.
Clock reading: 10:17
